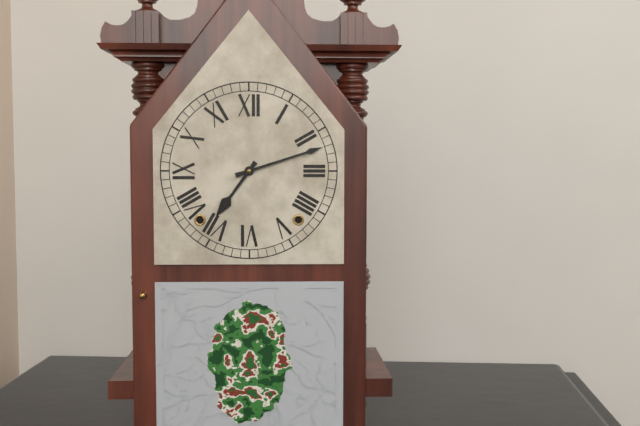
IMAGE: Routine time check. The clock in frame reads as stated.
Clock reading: 7:12
